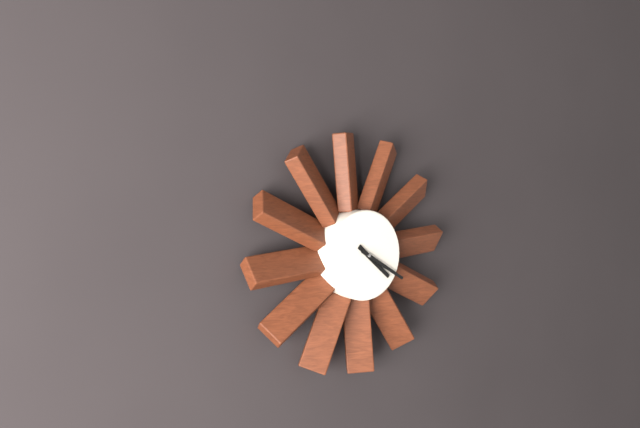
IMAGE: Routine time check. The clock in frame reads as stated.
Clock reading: 4:20
